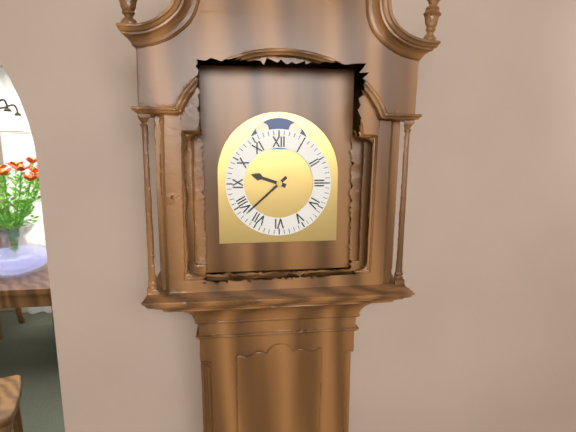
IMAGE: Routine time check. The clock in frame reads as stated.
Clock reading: 9:38
